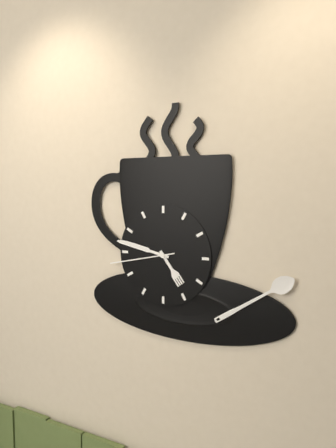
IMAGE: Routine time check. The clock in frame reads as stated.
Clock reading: 4:47:43
